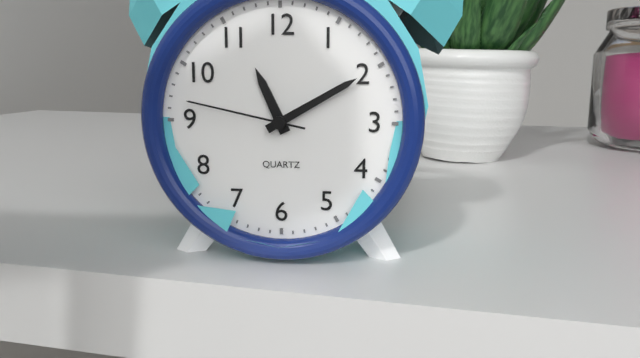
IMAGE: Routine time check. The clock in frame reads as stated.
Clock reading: 11:10:47
